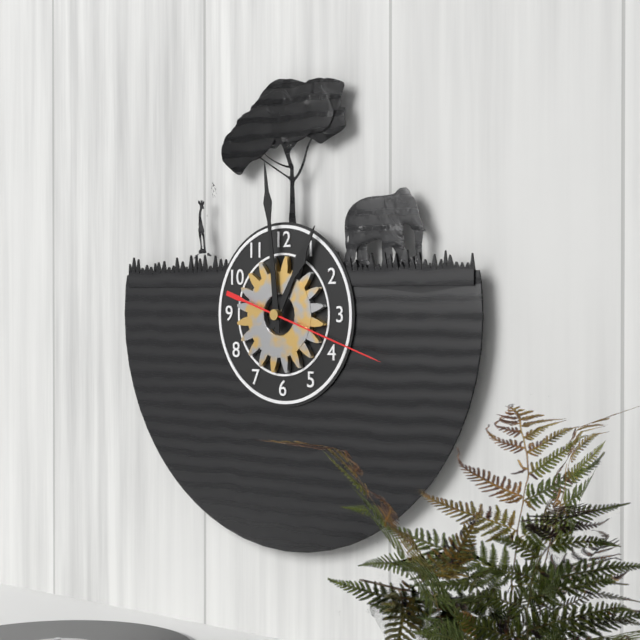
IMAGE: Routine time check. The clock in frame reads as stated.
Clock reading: 12:59:18
